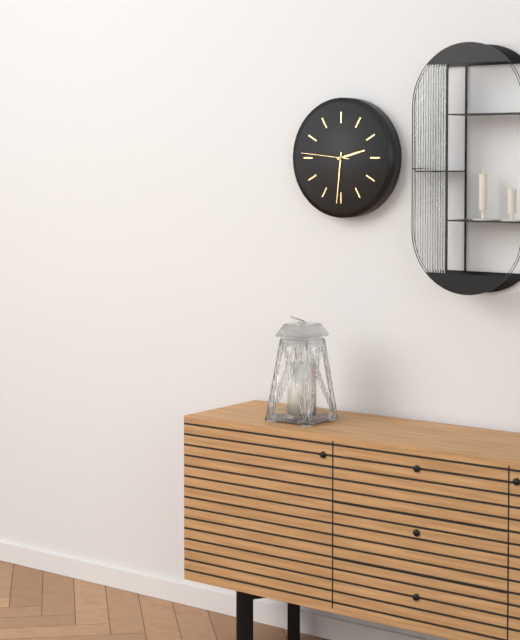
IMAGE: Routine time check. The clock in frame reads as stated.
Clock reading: 2:31
